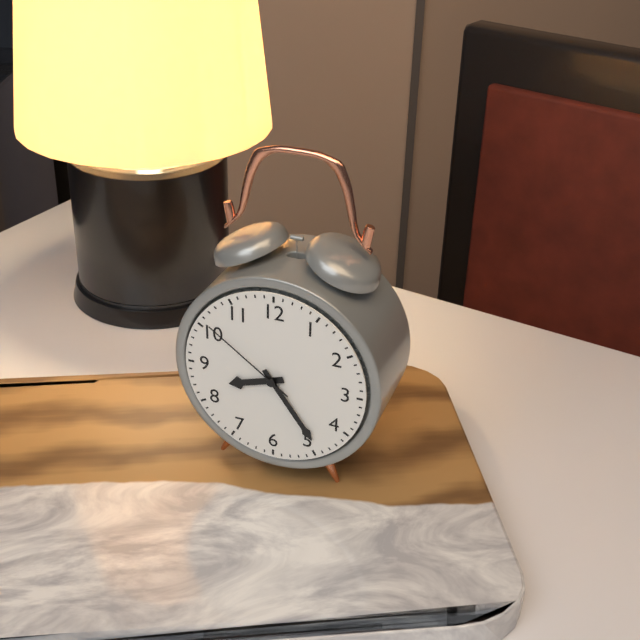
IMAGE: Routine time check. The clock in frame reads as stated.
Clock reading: 8:24:51
